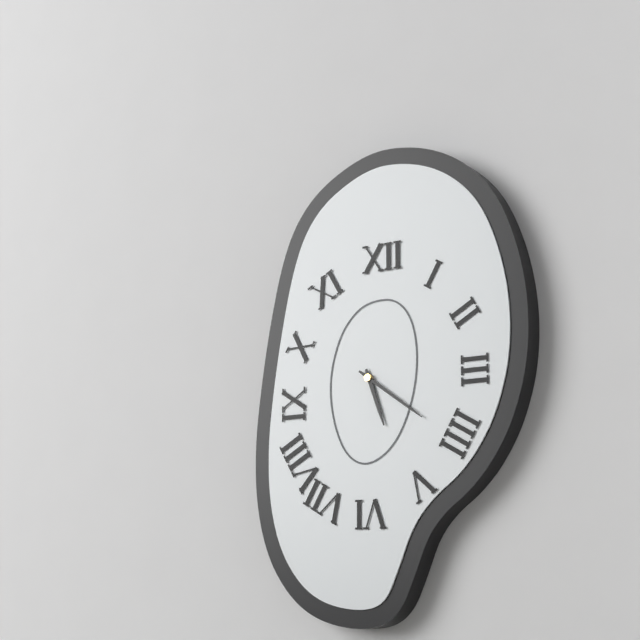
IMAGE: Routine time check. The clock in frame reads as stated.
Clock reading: 5:21
